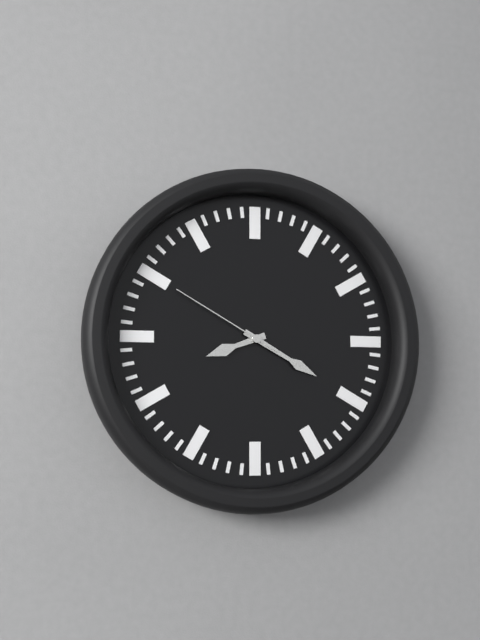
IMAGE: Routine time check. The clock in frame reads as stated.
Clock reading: 8:20:50
